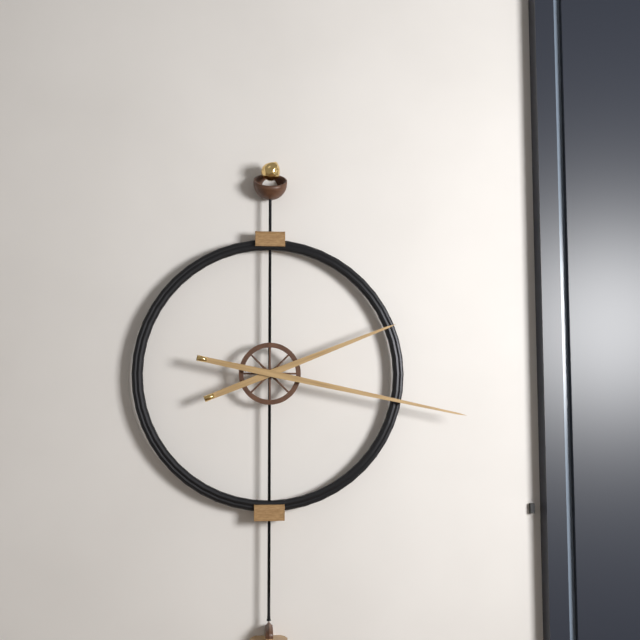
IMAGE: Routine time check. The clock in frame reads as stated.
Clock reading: 2:17
